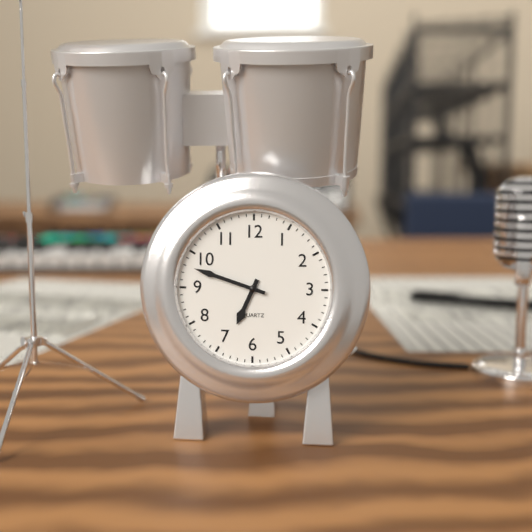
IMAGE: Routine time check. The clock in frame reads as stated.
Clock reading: 6:48
